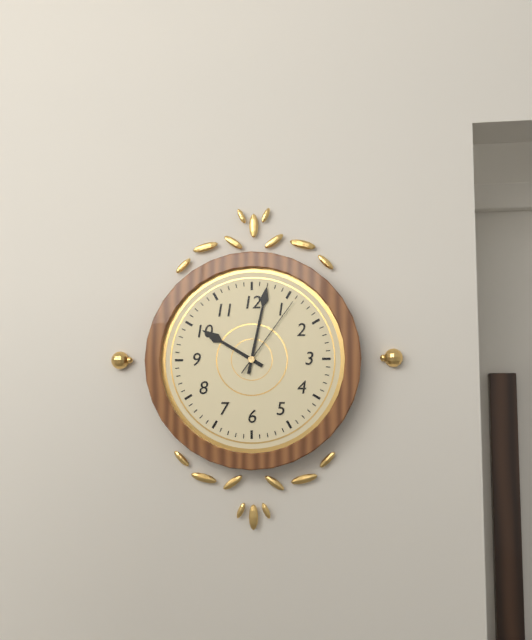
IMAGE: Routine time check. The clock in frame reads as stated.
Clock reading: 10:02:06
